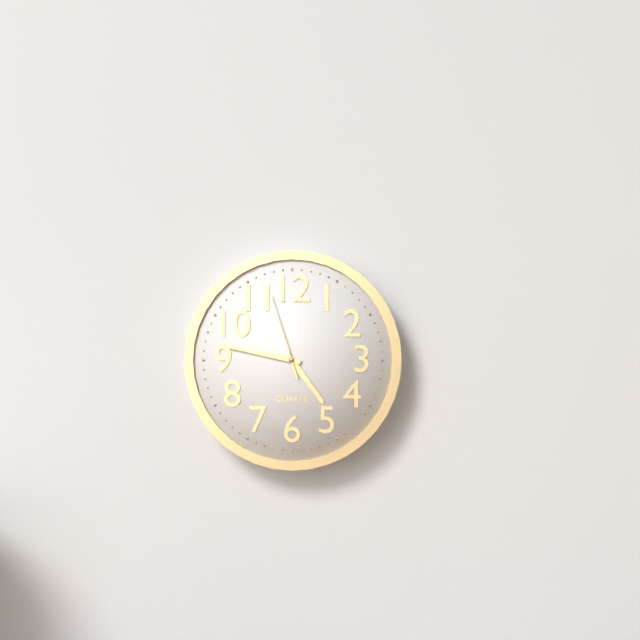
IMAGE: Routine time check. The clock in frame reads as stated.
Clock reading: 4:47:57
